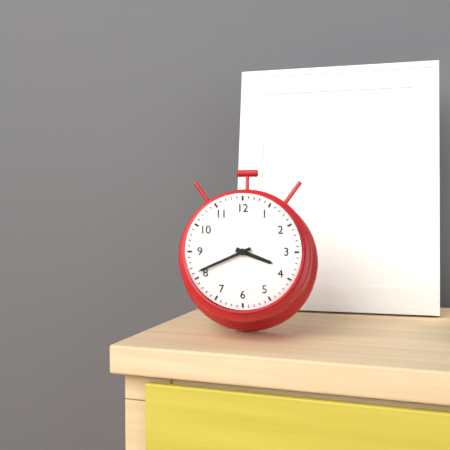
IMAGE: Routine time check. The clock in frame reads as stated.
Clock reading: 3:41
